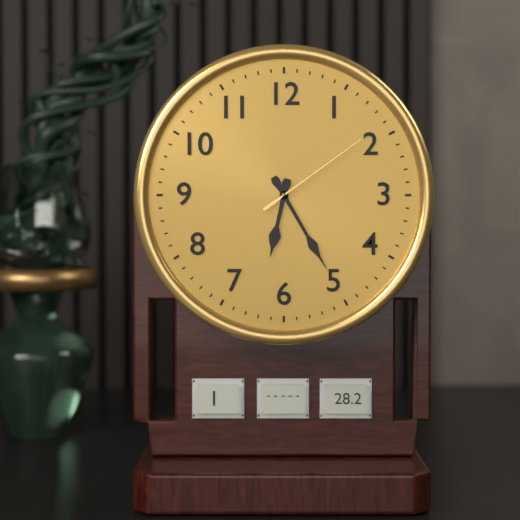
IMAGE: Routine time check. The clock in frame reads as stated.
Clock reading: 6:25:09
